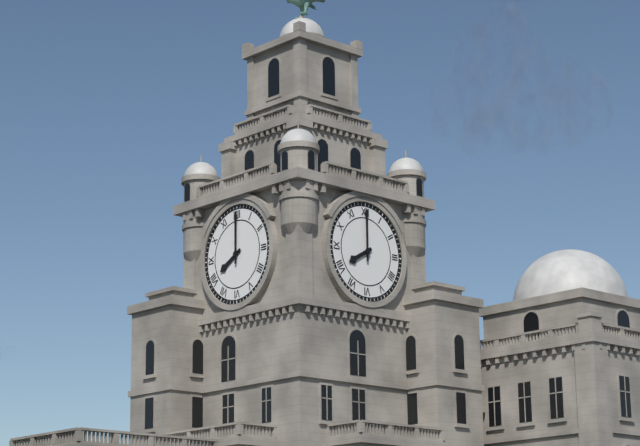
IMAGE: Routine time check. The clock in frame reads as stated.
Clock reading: 8:00
